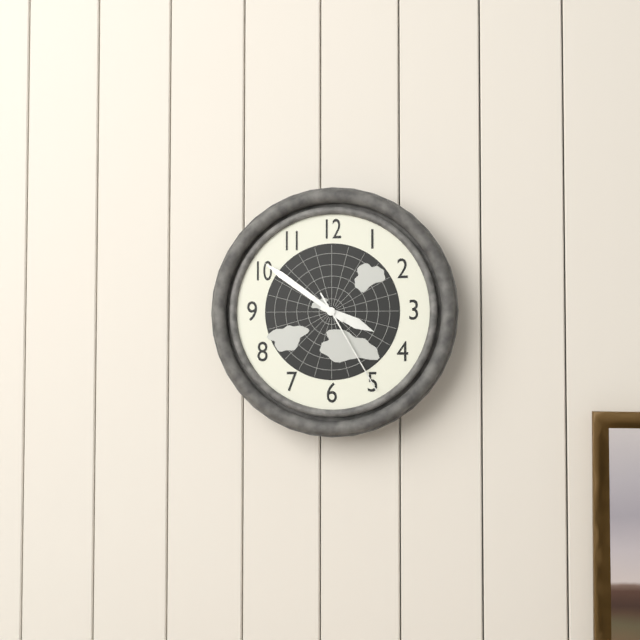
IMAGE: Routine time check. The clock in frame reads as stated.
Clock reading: 3:51:25
